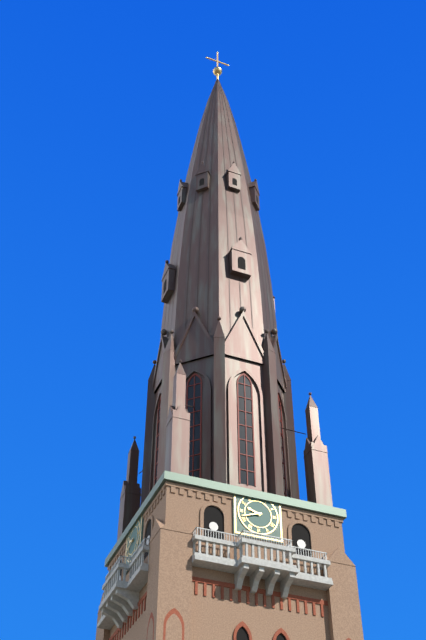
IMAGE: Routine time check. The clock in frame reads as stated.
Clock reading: 9:42
